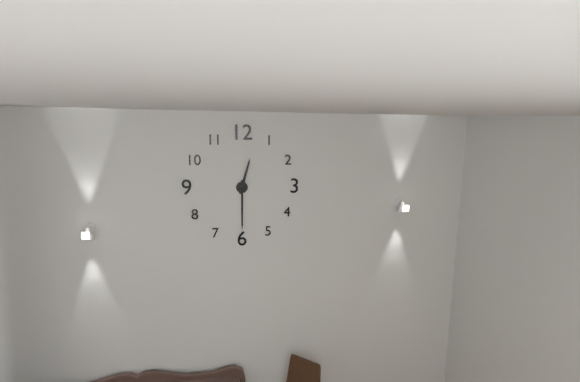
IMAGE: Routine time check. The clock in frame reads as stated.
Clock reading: 12:30
